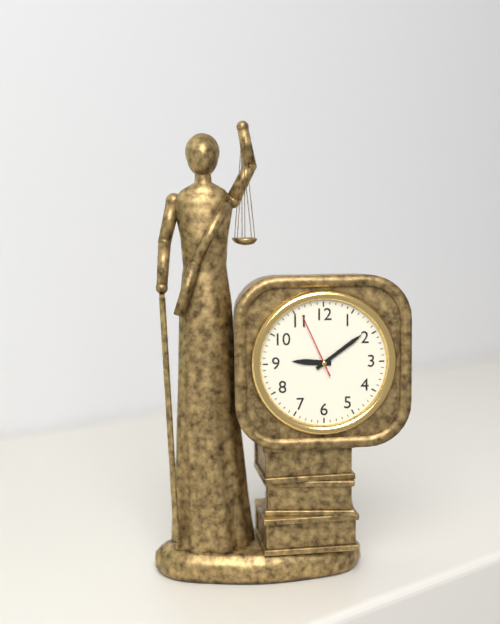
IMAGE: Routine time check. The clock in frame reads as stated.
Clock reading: 9:09:56
